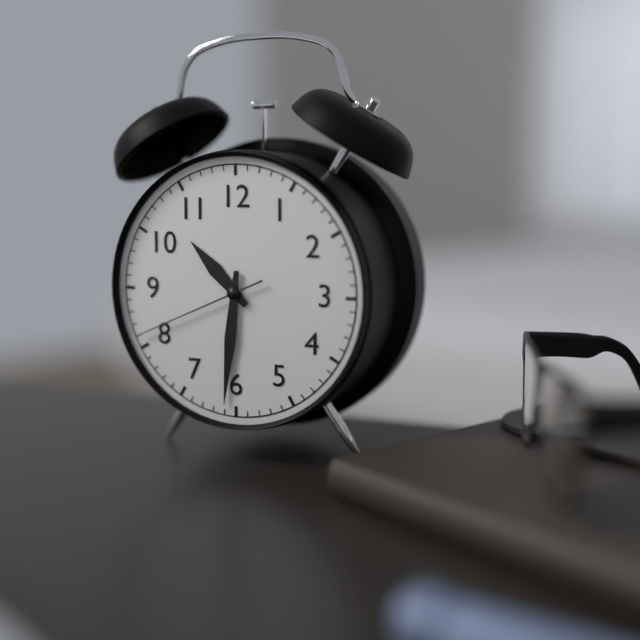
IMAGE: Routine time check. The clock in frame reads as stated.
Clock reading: 10:31:41
